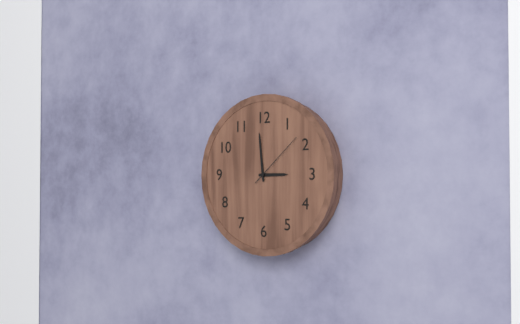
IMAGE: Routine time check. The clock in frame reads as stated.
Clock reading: 2:59:08
